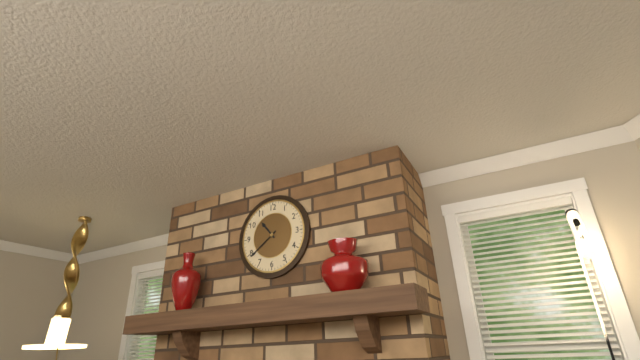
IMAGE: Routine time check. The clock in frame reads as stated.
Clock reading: 10:39
